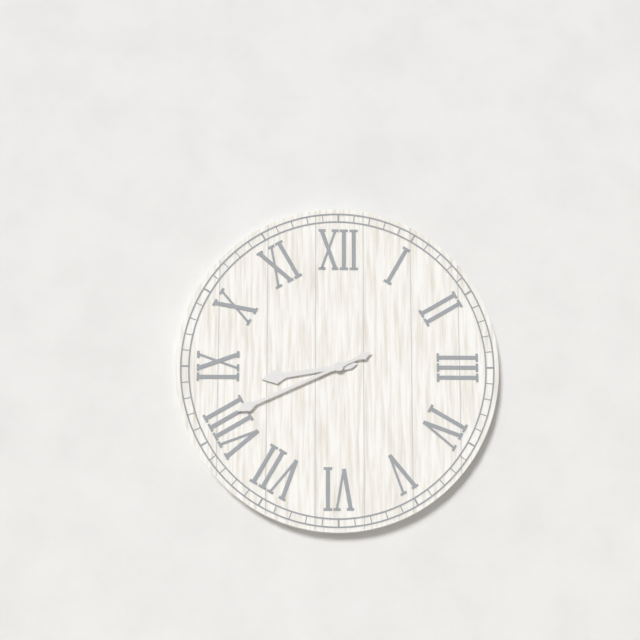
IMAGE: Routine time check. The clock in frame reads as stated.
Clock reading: 8:41
